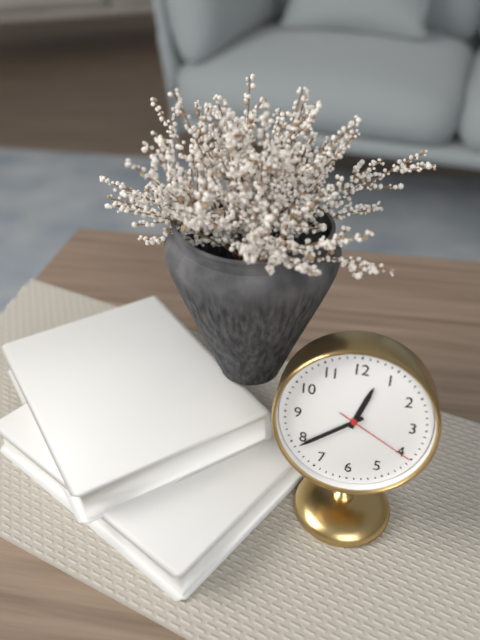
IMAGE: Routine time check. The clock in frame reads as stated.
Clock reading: 12:39:20
